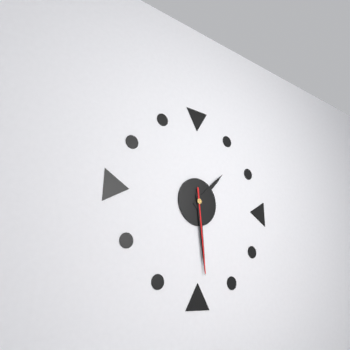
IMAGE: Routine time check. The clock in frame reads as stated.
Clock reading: 1:29:29
